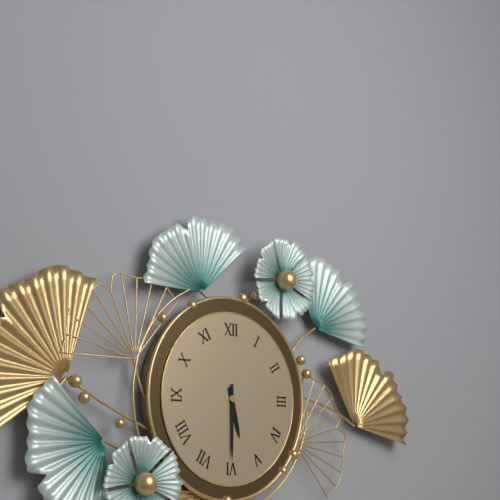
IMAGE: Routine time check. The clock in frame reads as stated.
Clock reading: 5:30
